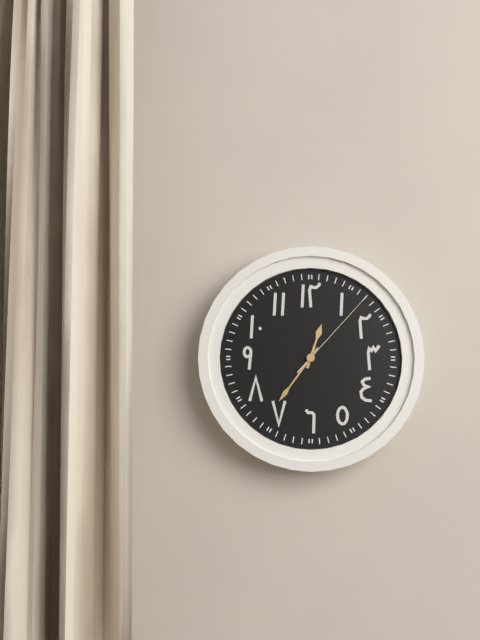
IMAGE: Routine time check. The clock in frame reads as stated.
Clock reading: 12:36:07
